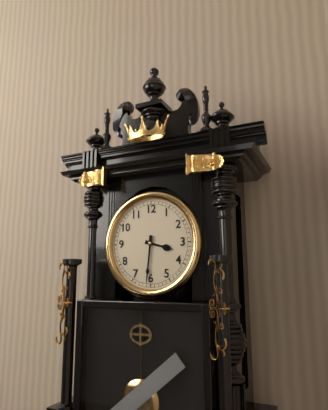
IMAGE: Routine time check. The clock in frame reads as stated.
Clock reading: 3:31
